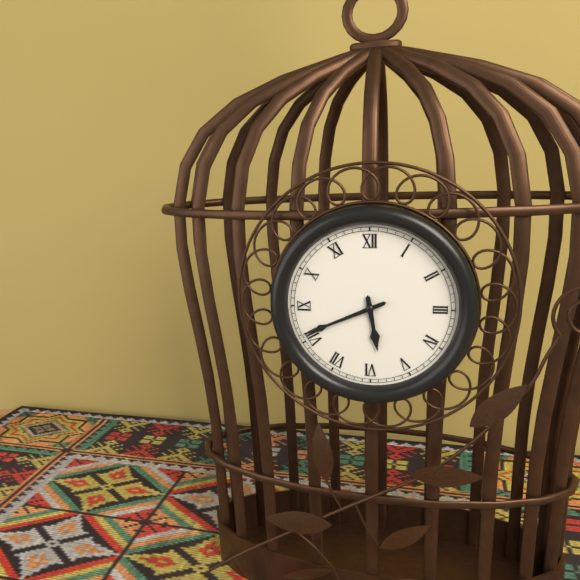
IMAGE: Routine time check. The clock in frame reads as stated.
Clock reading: 5:41
